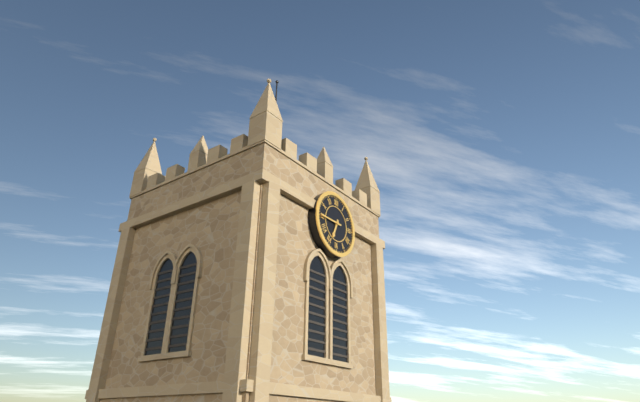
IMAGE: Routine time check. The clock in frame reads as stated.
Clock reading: 6:45
